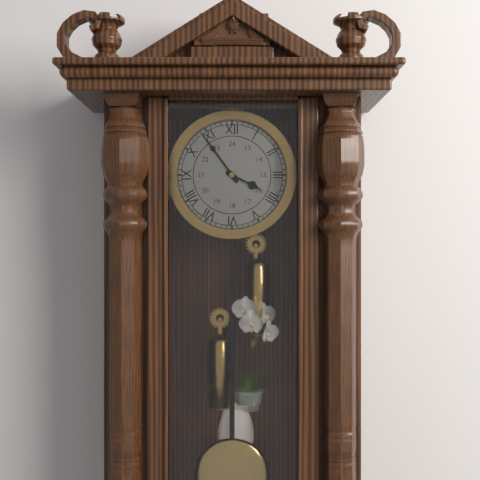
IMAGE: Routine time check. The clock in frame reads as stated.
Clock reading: 3:54
